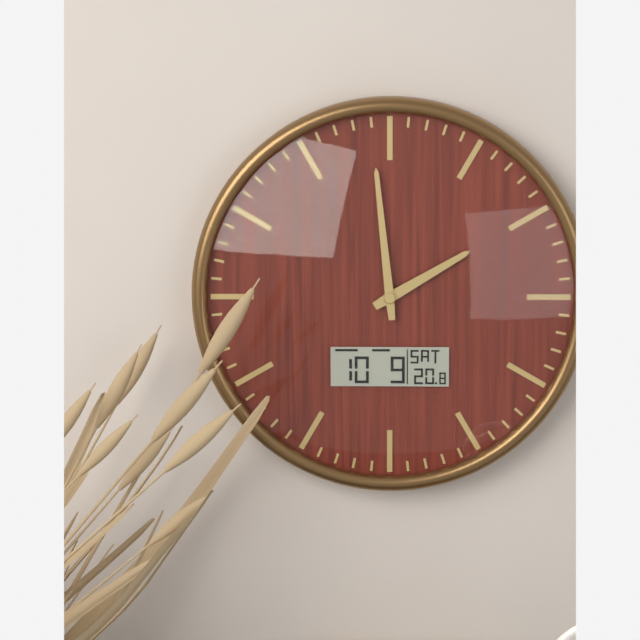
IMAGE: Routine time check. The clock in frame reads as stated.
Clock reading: 1:59
